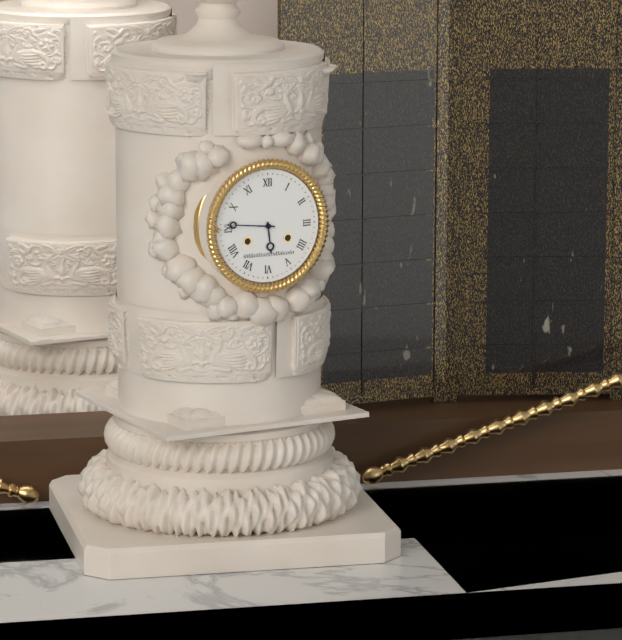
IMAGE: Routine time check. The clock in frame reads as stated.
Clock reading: 5:46
